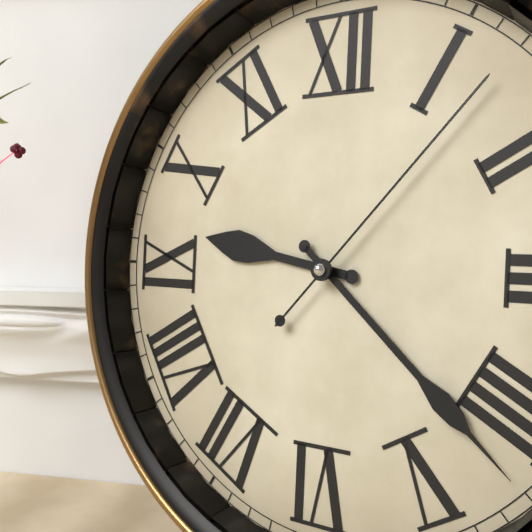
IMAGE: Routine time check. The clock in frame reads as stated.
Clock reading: 9:22:07
